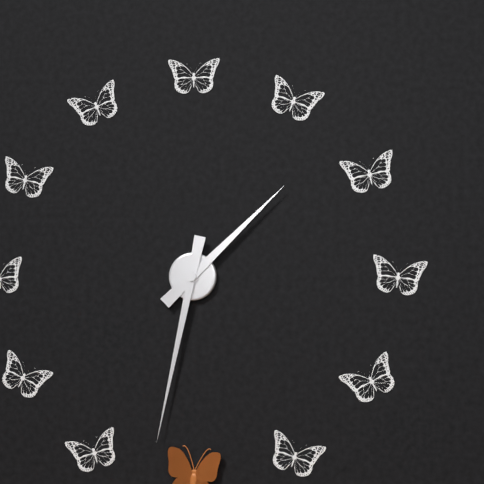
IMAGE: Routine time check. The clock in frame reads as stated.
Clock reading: 1:32
